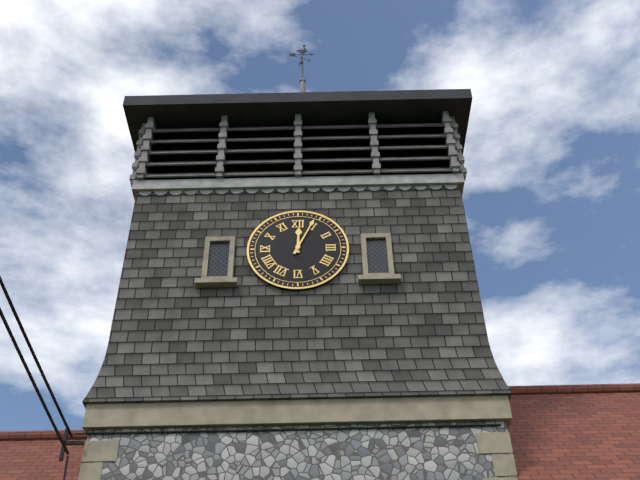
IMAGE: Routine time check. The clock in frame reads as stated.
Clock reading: 12:04
